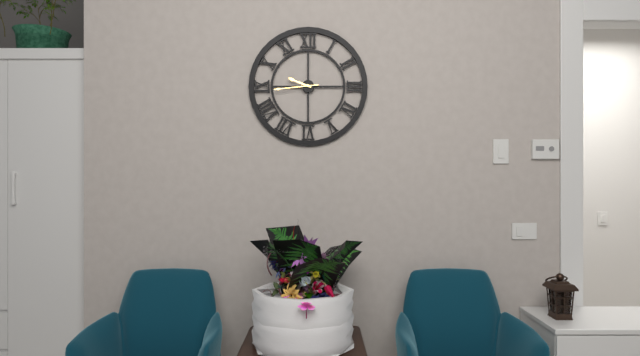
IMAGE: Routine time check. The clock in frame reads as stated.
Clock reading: 9:44
